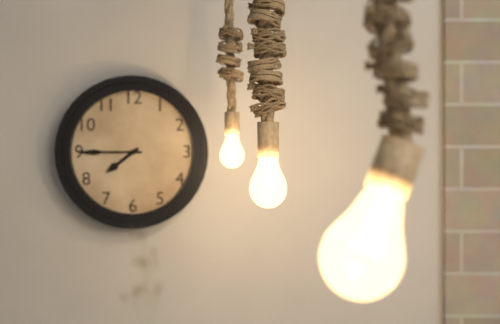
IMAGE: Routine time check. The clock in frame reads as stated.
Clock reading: 7:45
